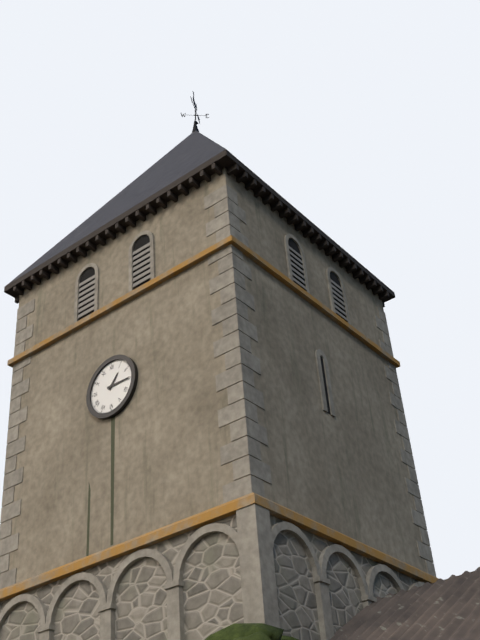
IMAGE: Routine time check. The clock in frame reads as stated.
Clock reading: 1:15
